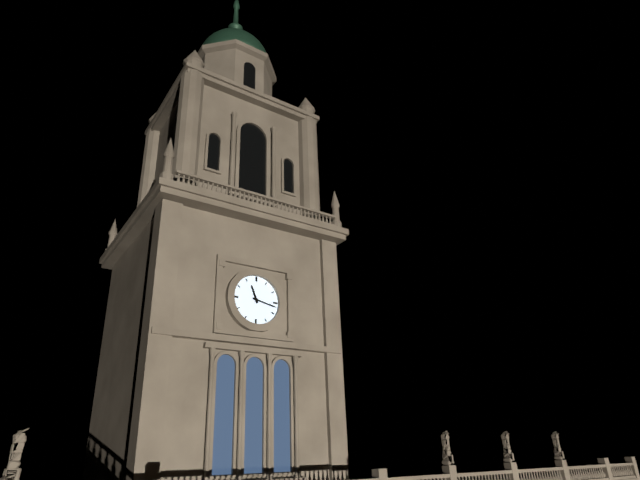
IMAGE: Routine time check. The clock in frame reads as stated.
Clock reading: 11:17
